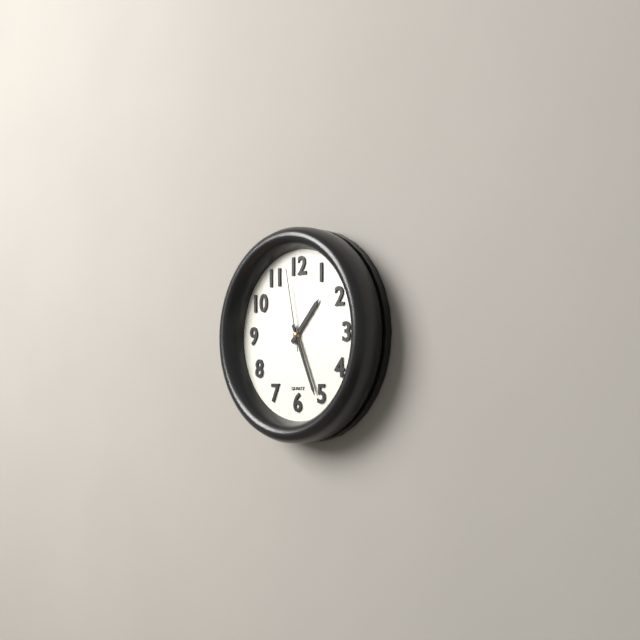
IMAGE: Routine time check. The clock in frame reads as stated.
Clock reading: 1:26:58
